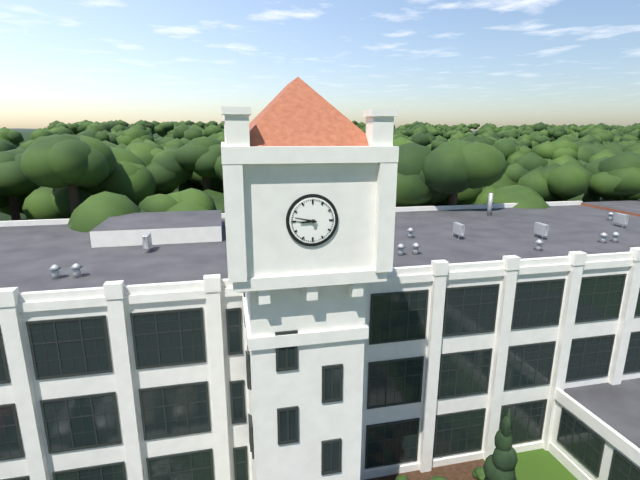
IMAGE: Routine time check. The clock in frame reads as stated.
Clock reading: 8:47
